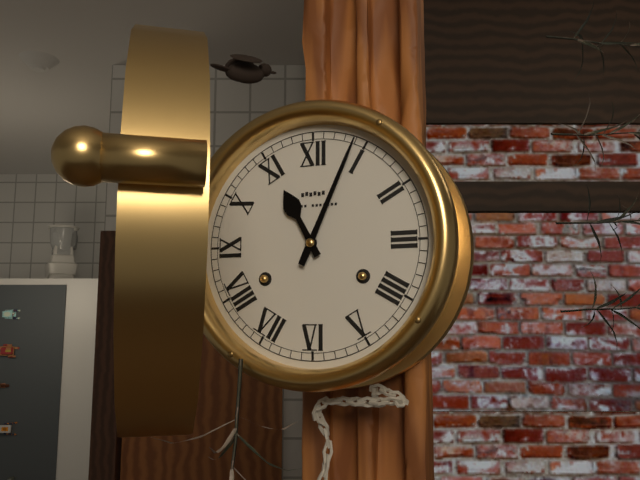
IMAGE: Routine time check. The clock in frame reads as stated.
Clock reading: 11:04
